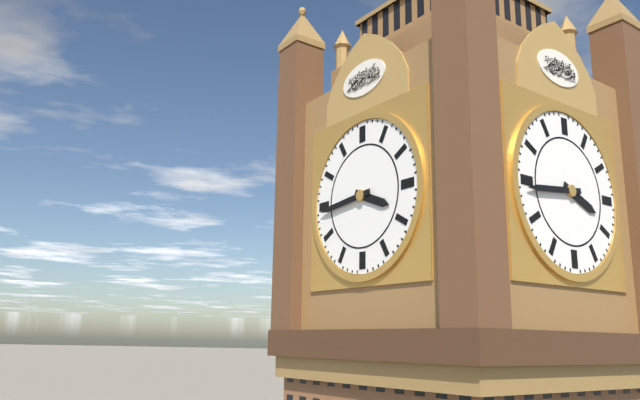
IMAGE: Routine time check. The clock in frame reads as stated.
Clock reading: 3:44
